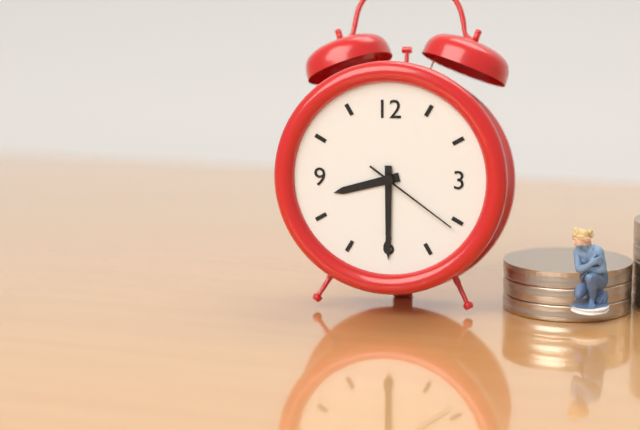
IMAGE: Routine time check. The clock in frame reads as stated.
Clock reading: 8:30:21
